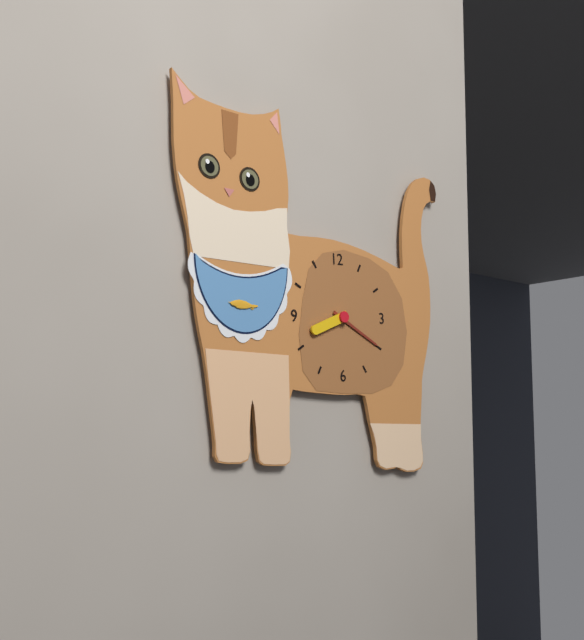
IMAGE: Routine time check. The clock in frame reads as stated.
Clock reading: 8:20
